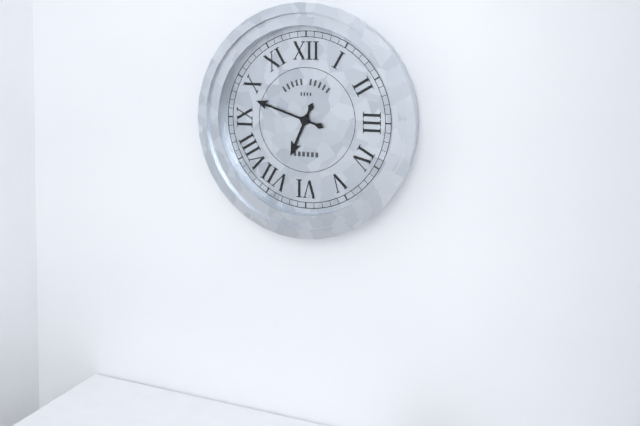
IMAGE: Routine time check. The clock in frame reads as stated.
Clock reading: 6:48
